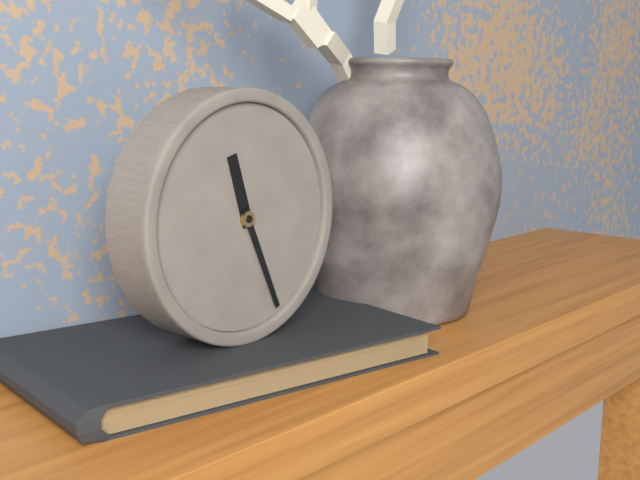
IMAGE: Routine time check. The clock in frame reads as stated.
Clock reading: 11:26
